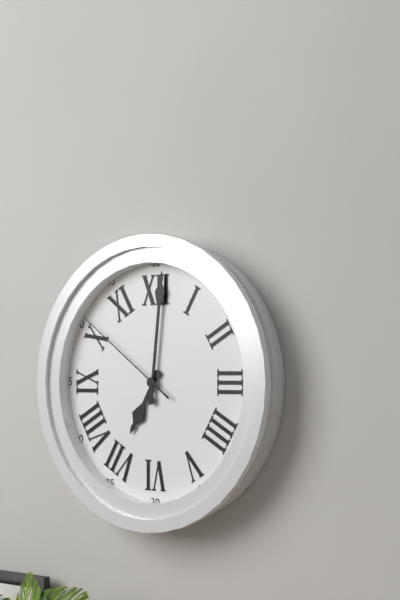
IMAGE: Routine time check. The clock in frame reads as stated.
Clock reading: 7:01:51
